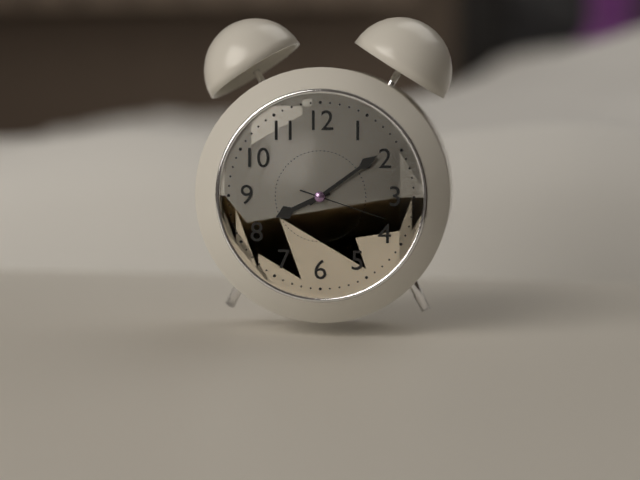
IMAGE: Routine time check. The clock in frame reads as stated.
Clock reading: 8:09:18
